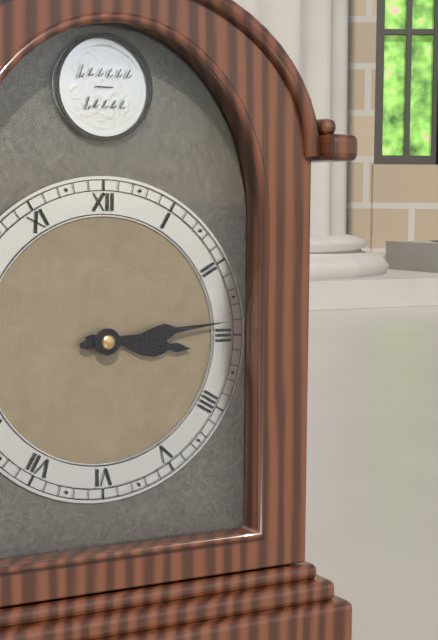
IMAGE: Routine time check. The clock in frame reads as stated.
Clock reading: 3:14
